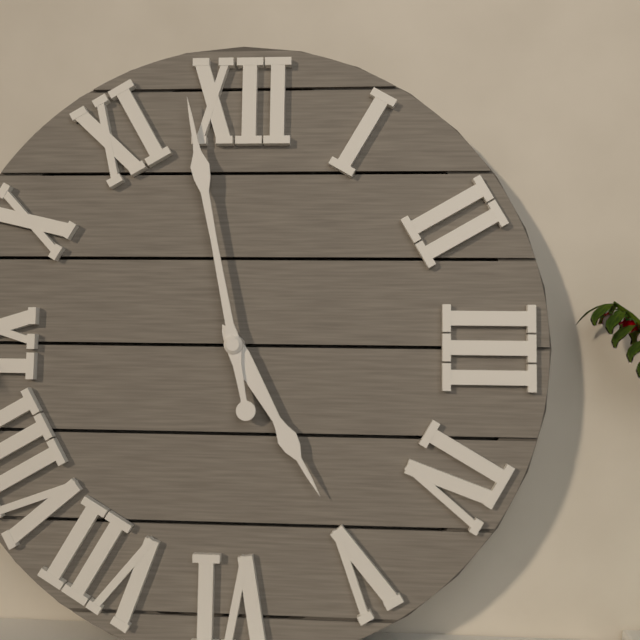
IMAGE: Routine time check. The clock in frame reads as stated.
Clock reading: 4:58
